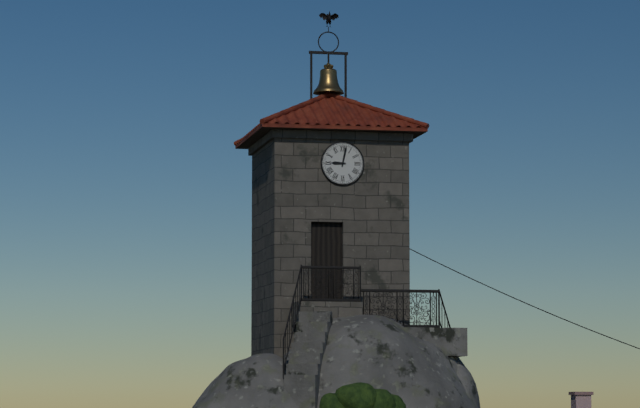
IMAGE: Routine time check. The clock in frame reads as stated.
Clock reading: 9:02
